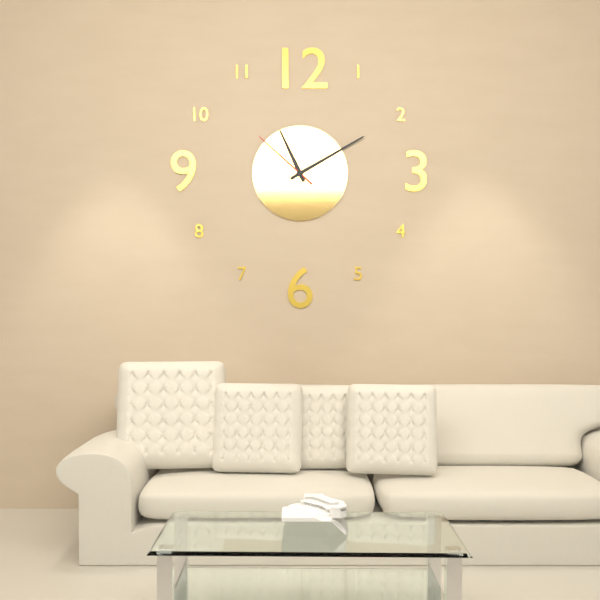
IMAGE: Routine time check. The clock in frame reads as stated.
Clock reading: 11:10:52
